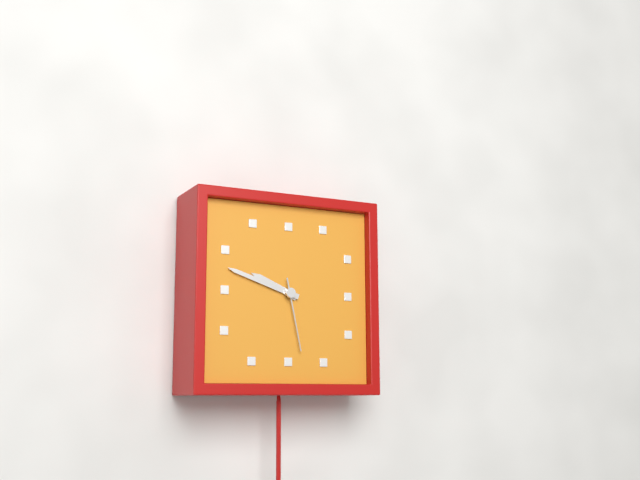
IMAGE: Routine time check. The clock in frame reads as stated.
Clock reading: 9:48:28
